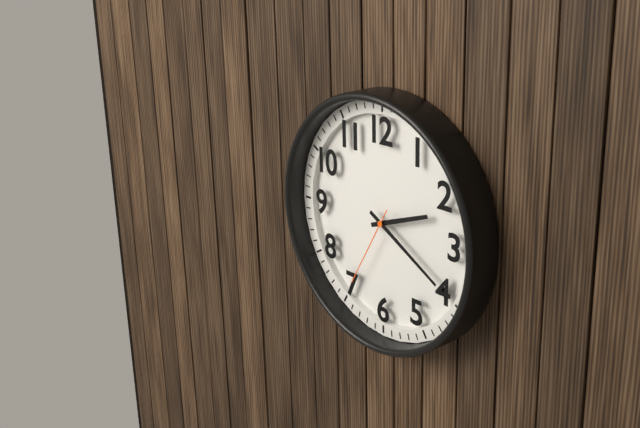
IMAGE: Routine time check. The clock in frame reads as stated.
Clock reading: 2:20:35
